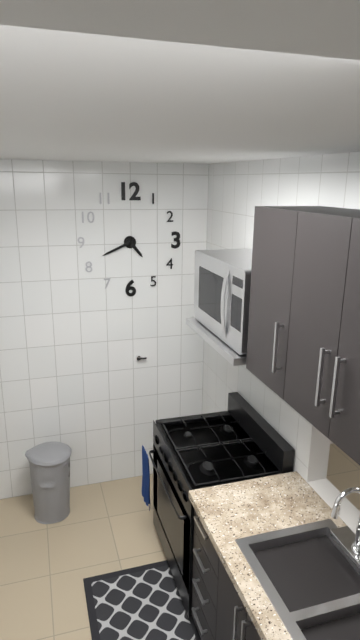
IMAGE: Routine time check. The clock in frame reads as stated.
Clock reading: 4:41
